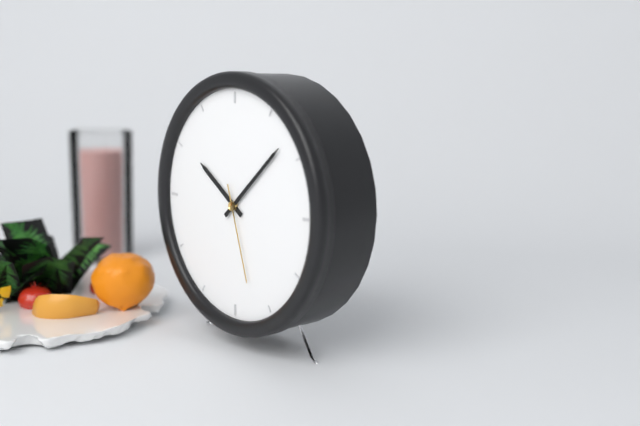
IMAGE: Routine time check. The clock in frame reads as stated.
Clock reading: 10:08:27
